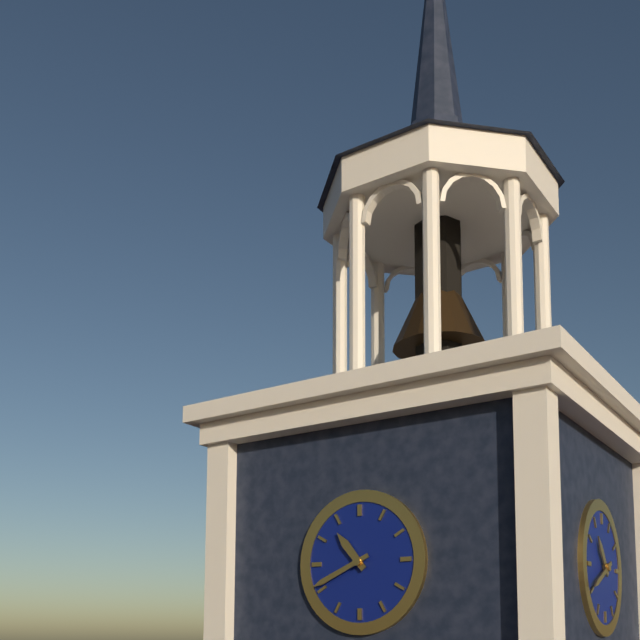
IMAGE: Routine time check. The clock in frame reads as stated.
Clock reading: 10:41
